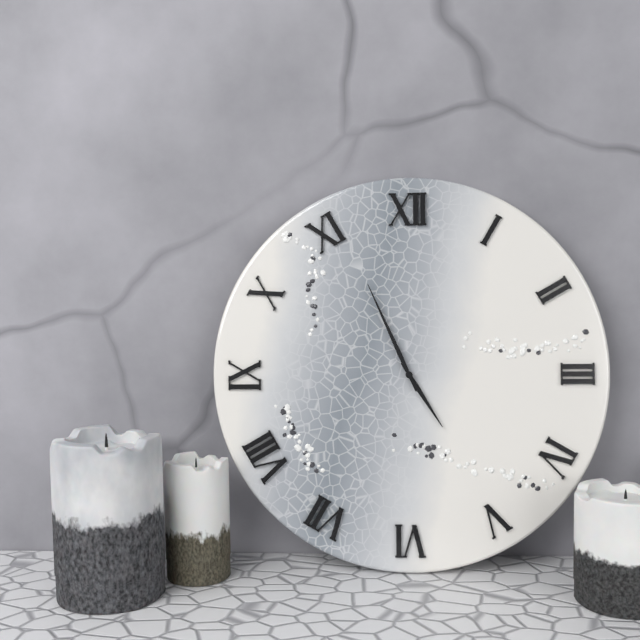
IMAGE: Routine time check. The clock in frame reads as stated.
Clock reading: 4:56
